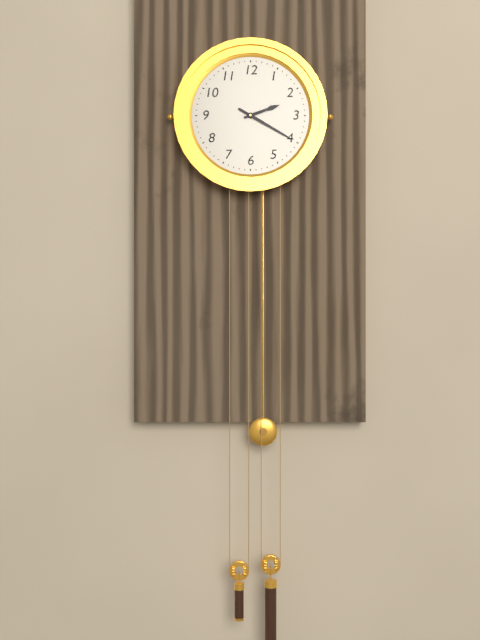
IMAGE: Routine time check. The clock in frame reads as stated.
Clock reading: 2:20
